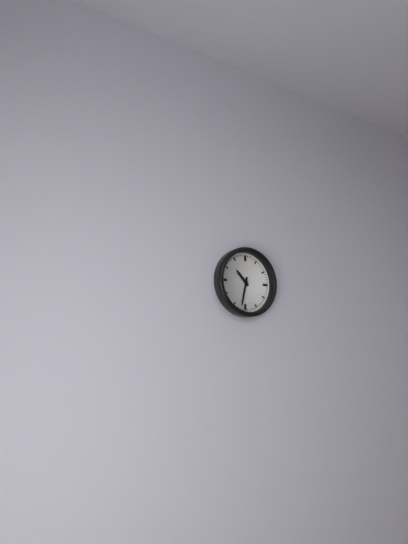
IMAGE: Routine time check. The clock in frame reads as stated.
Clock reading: 10:32
